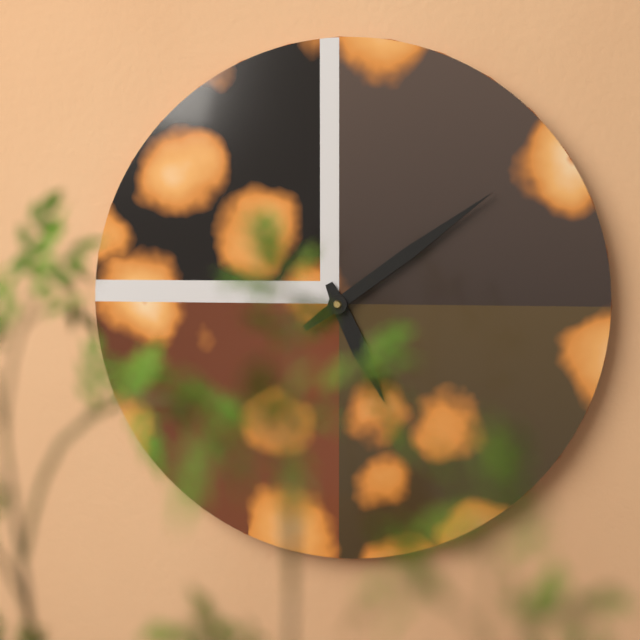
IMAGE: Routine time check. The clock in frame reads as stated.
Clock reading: 5:09
